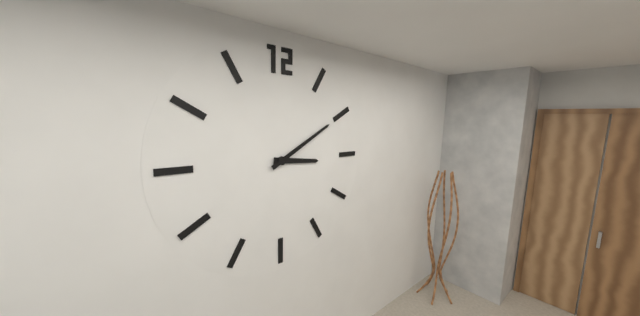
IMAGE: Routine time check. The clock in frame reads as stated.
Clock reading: 3:10
